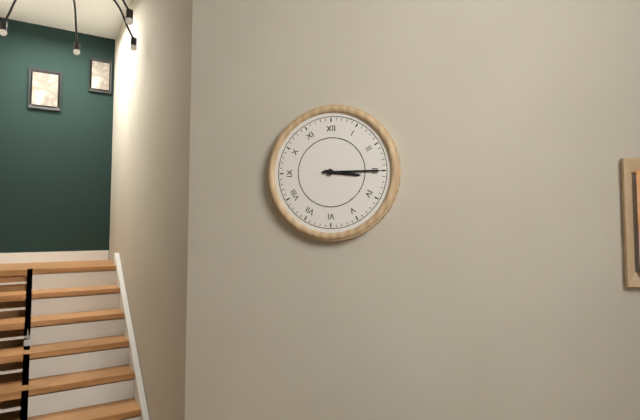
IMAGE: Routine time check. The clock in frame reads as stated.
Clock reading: 3:15
